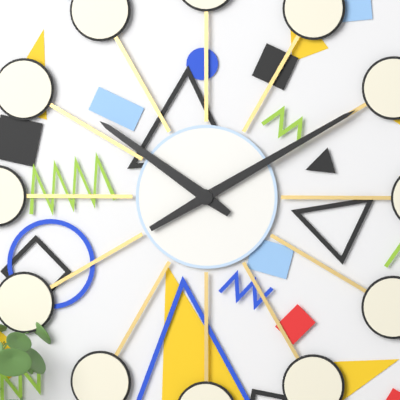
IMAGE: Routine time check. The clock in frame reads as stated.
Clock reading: 10:10
